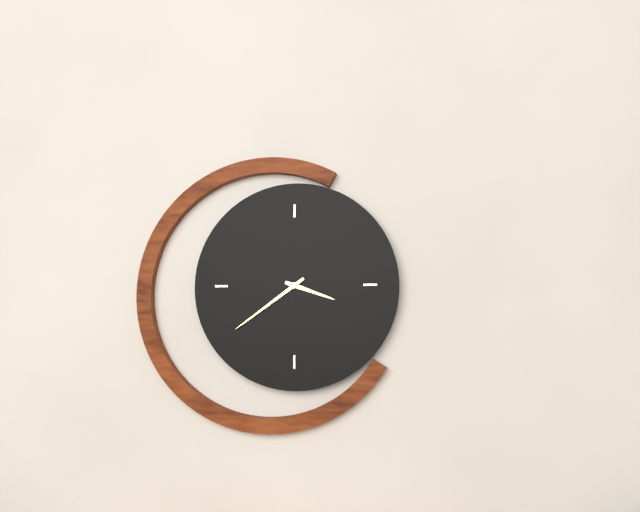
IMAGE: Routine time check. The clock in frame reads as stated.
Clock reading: 3:39
